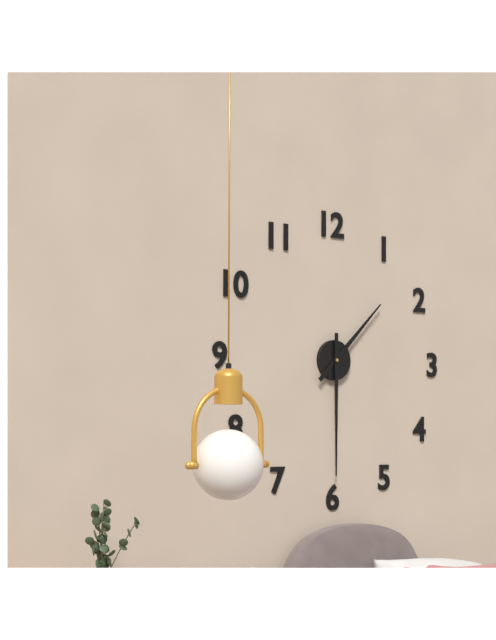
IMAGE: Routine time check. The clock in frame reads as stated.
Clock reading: 1:30
